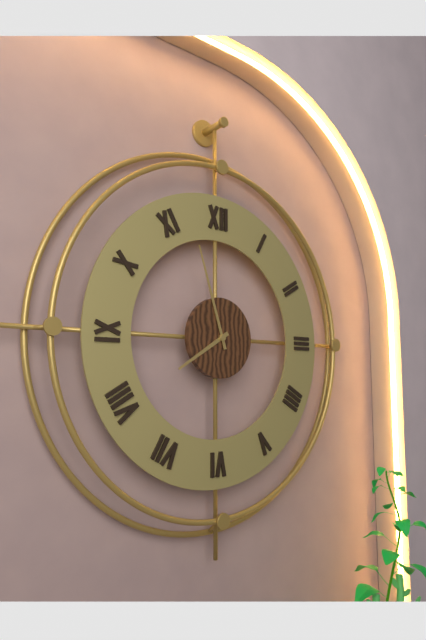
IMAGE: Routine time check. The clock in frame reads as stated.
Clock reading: 7:57
